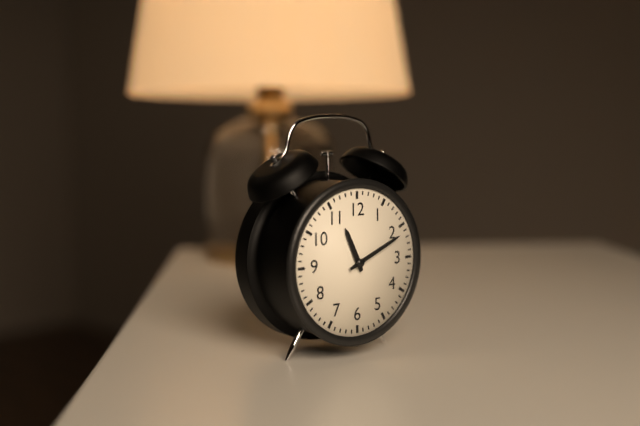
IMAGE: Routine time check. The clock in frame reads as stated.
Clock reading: 11:11
